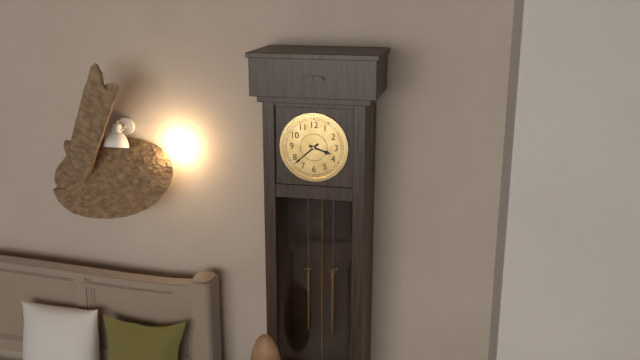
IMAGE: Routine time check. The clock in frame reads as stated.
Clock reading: 3:38
